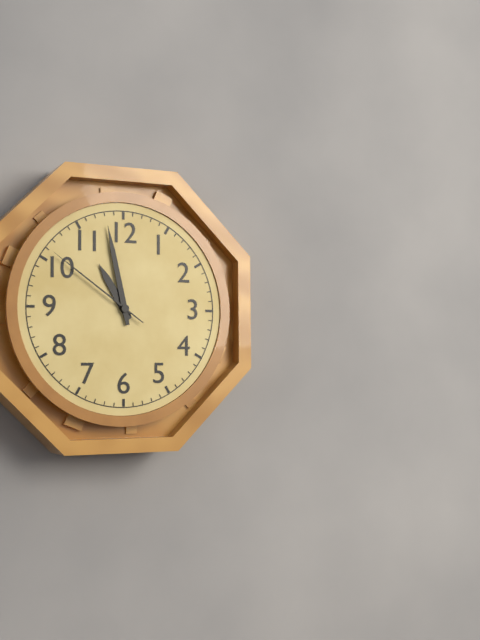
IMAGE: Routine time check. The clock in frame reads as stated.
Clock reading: 10:58:51
